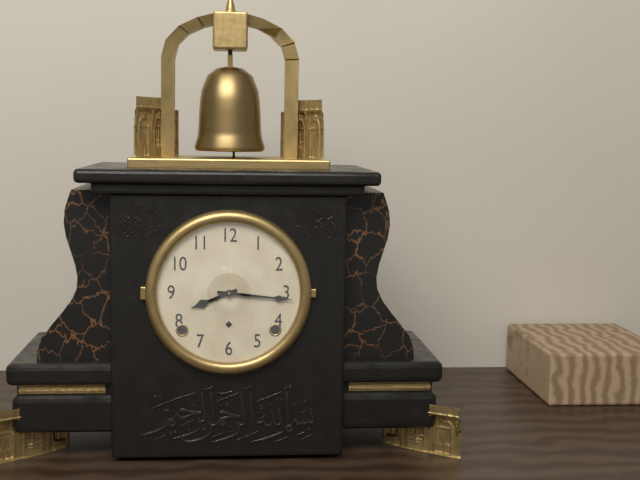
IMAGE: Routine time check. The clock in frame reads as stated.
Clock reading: 8:16
